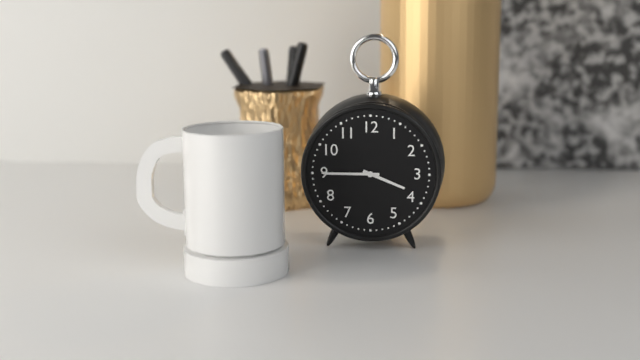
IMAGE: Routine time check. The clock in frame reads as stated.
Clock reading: 3:45
